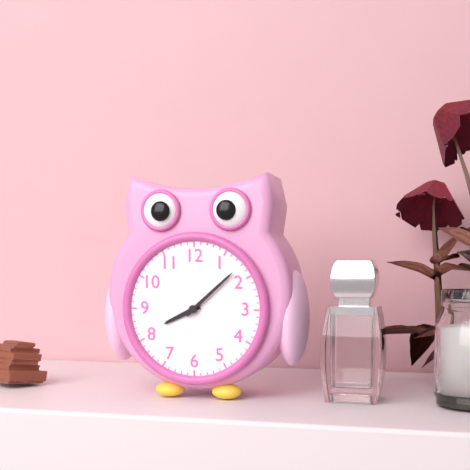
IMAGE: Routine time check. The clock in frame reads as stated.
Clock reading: 8:08
